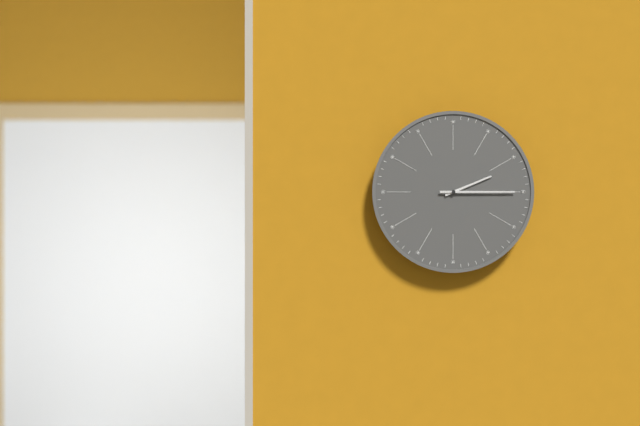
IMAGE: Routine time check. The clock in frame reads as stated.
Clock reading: 2:15
